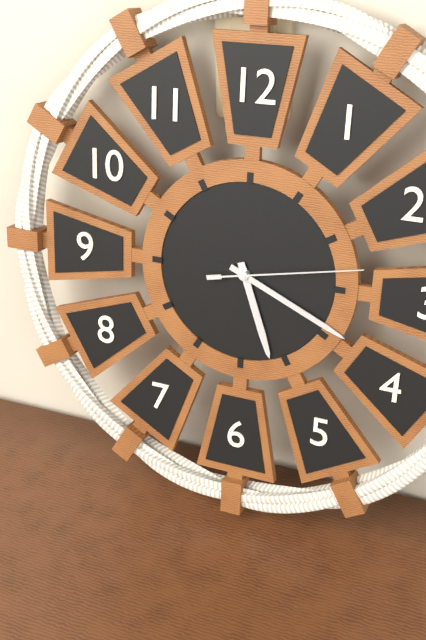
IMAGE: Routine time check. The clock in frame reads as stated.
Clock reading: 5:19:13
